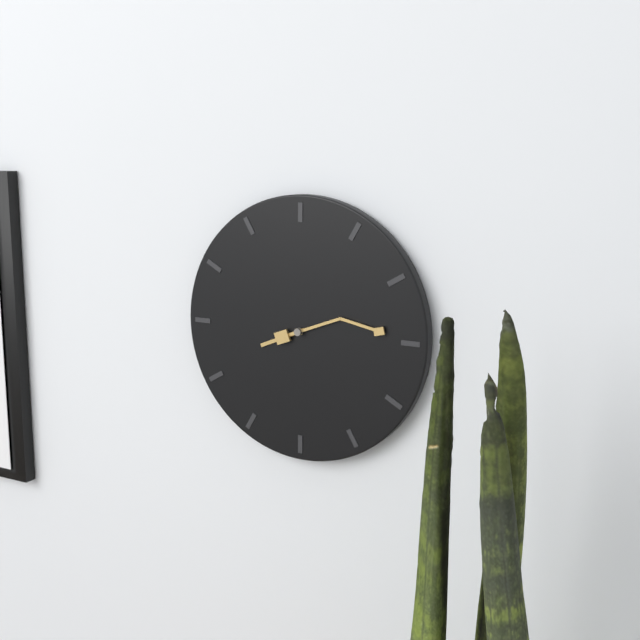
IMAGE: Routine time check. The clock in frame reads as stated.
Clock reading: 8:14
